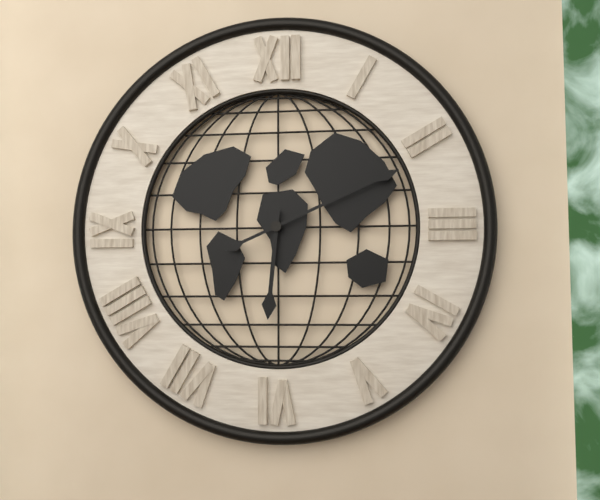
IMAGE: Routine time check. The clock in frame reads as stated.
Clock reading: 6:11
